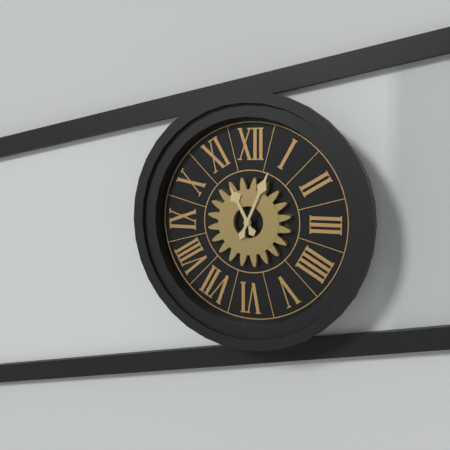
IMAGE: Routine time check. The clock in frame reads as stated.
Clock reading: 11:04
